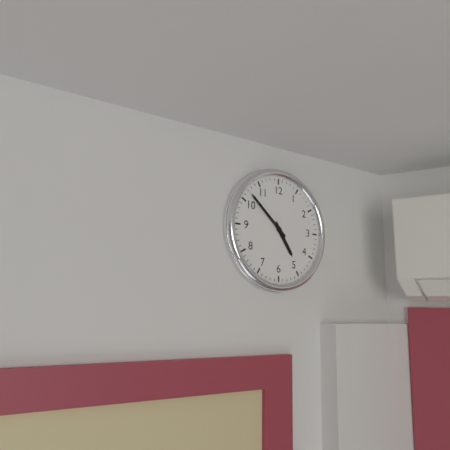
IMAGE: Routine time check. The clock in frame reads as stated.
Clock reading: 4:52
